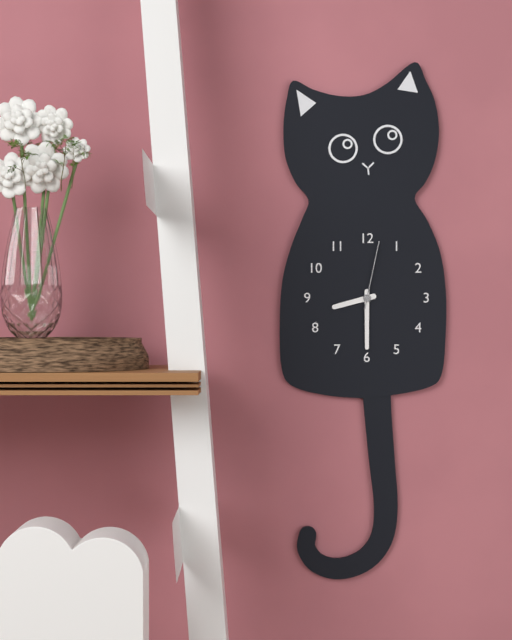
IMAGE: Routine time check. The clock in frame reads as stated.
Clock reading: 8:30:02
